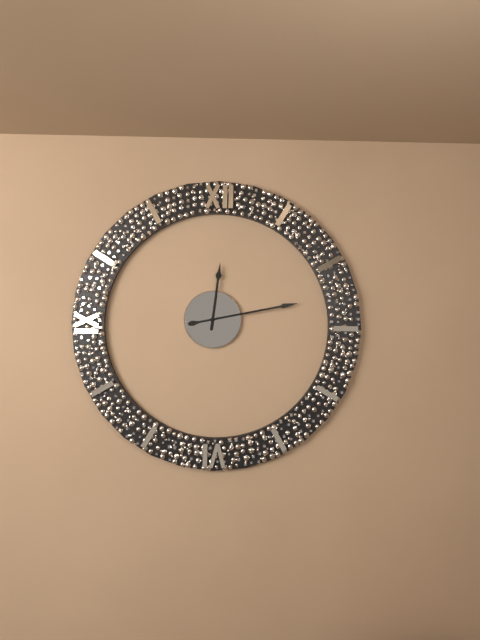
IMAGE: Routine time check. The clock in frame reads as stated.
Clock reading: 12:13
